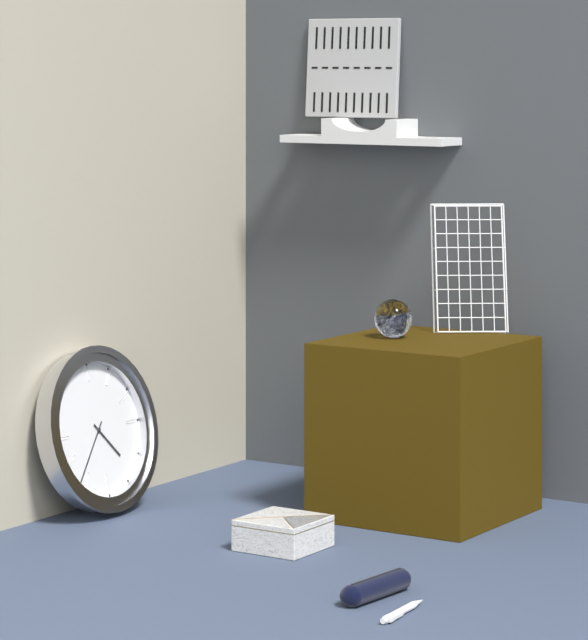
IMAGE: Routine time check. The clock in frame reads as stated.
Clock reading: 4:37
